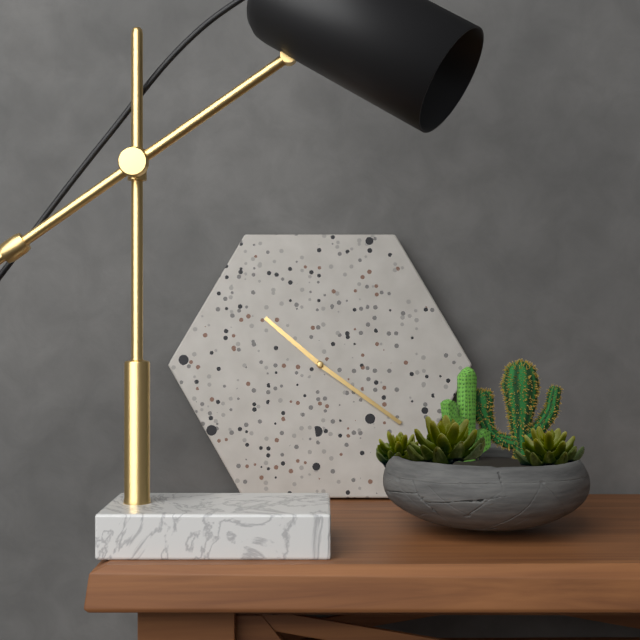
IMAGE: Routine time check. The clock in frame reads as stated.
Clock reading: 10:21
